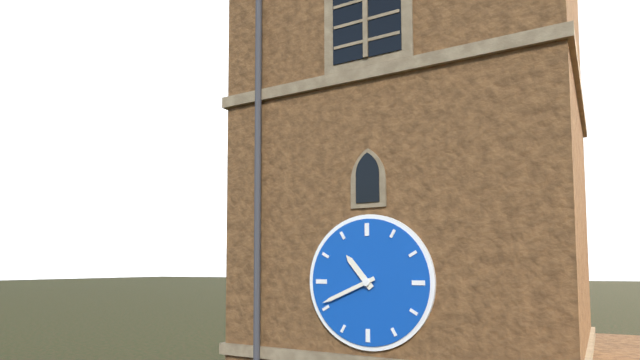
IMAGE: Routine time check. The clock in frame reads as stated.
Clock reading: 10:41
